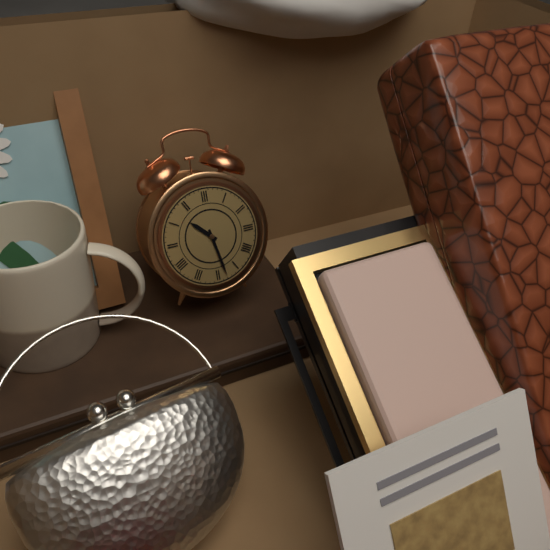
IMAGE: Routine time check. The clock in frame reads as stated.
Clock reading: 10:28
